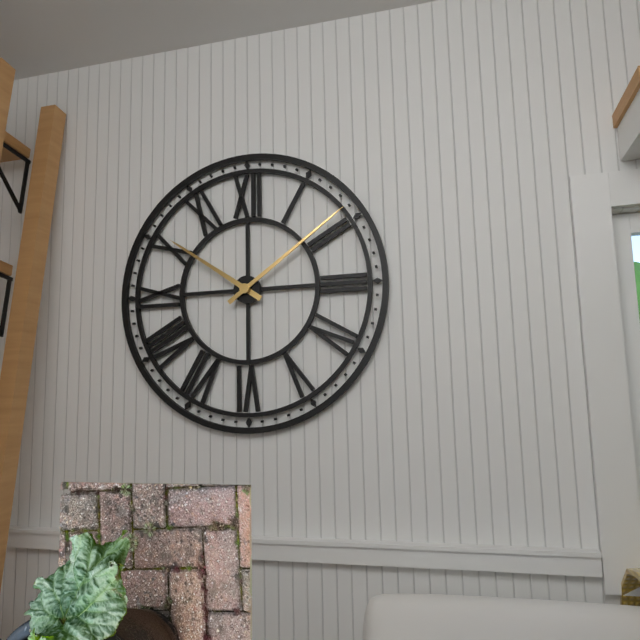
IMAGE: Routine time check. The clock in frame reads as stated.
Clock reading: 10:09
